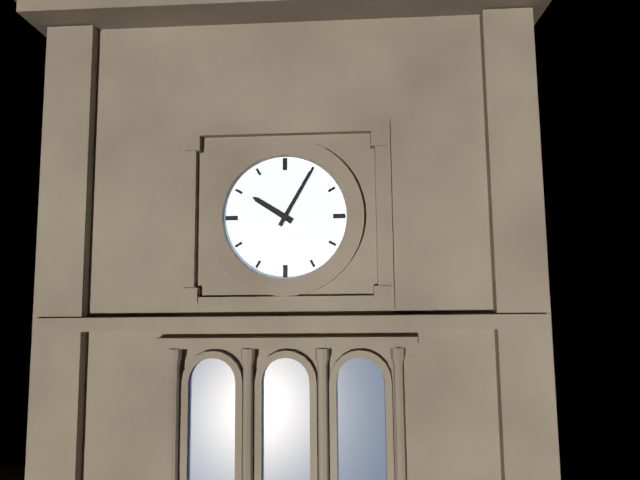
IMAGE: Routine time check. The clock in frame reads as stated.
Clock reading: 10:05
